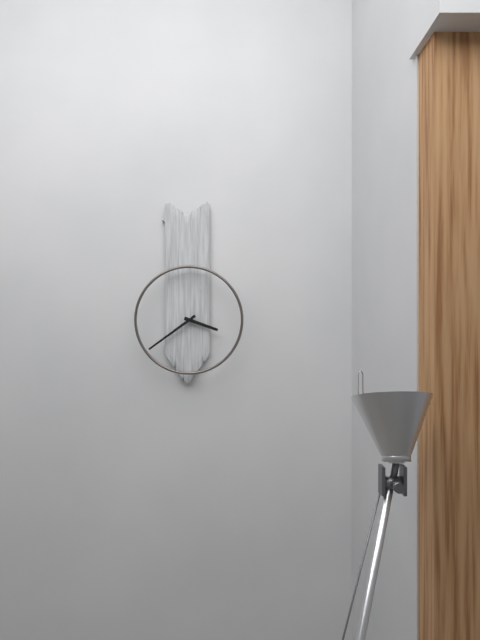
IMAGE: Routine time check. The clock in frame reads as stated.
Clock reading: 3:39
